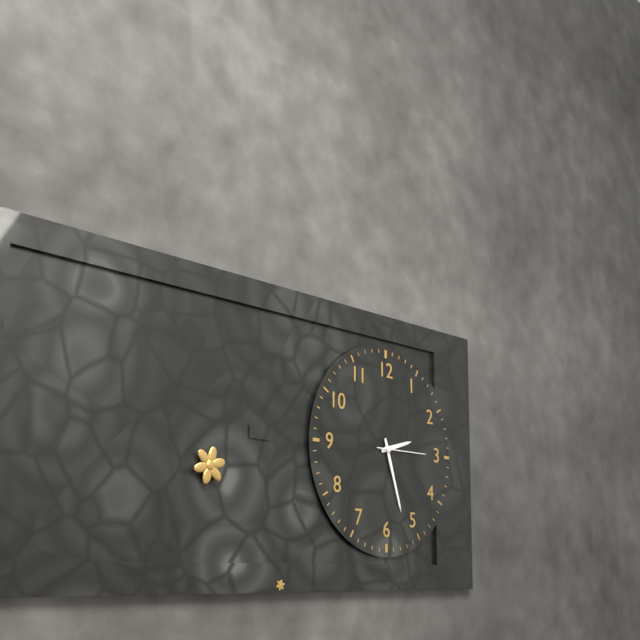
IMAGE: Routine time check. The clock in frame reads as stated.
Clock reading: 2:27
